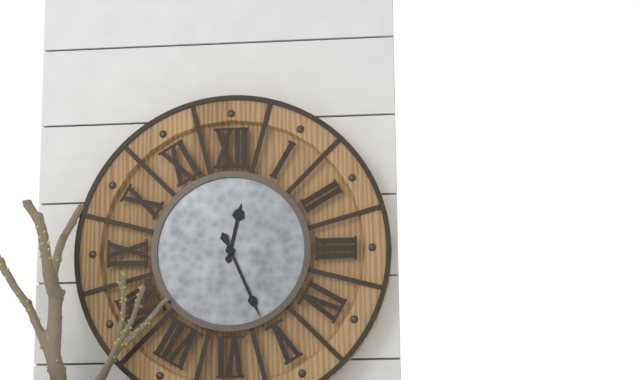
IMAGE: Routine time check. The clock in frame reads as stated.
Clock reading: 12:26
